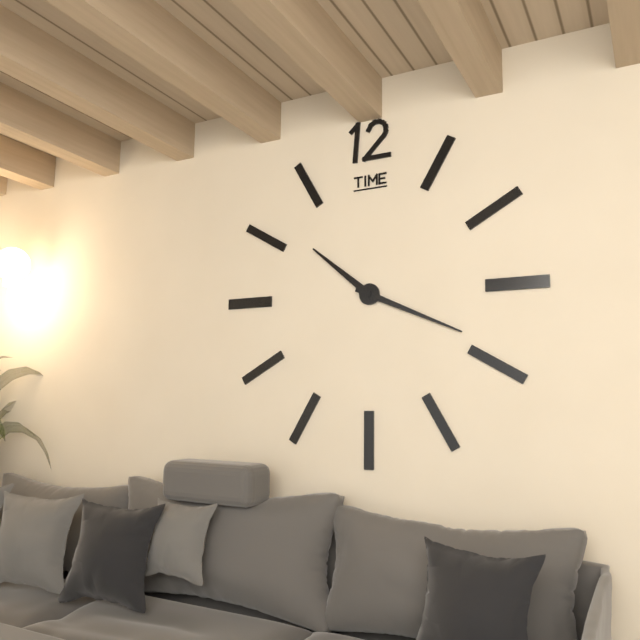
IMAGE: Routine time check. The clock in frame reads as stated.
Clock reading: 10:19
